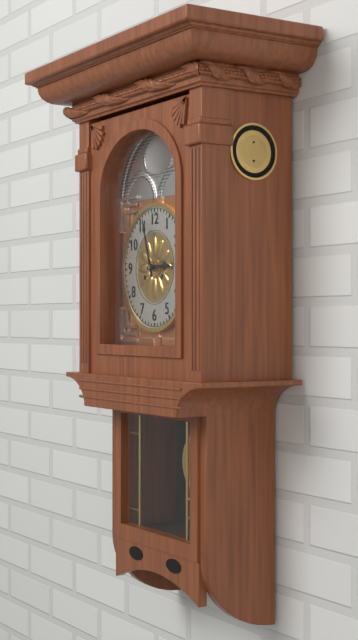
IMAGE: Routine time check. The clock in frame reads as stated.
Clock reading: 2:57
